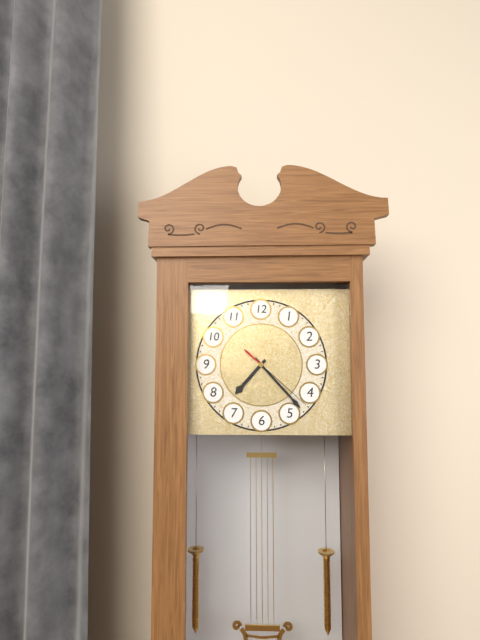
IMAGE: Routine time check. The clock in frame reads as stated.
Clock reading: 7:23:22
